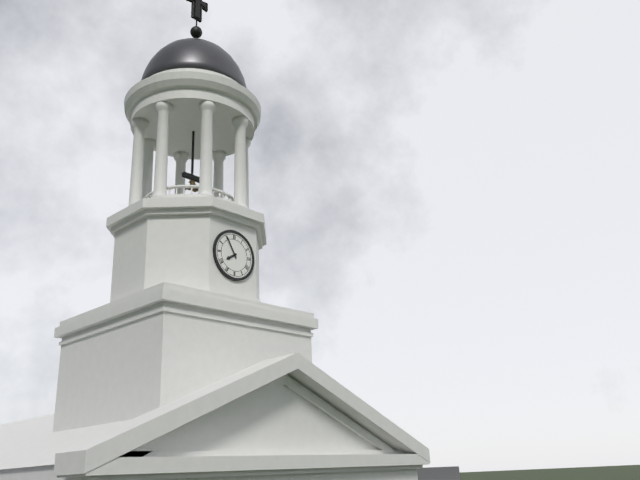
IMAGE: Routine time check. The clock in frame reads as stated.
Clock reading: 7:55
